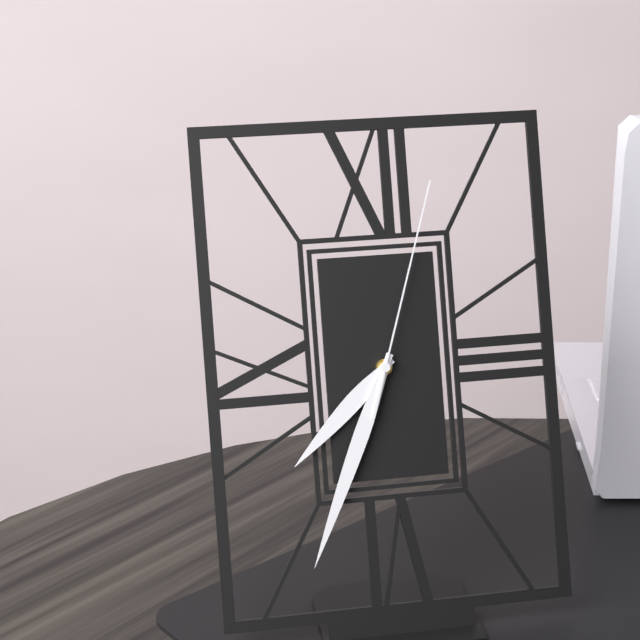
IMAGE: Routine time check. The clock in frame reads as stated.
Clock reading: 7:34:03
